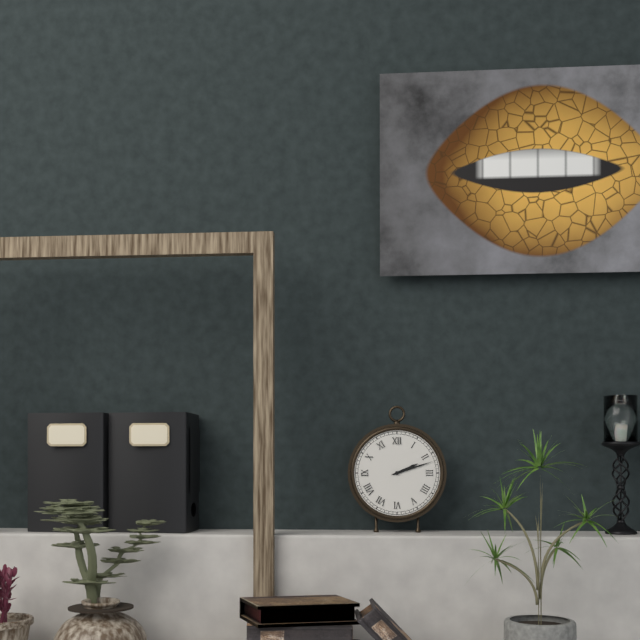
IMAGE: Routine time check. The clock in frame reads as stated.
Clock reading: 2:12
